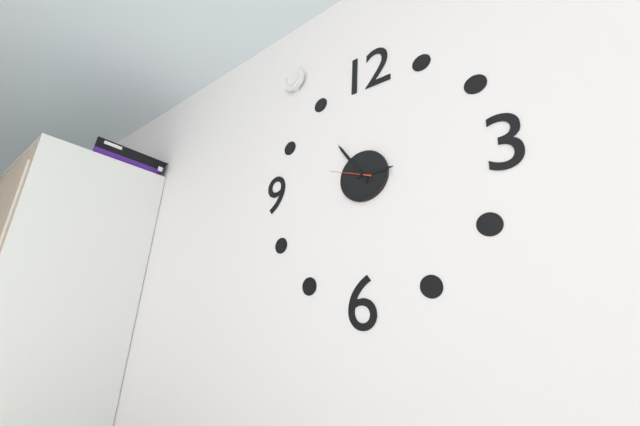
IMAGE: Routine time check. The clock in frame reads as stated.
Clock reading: 2:54
